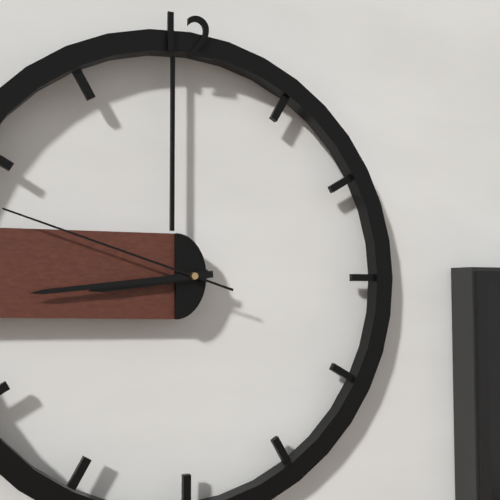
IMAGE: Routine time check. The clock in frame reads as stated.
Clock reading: 8:44:48
